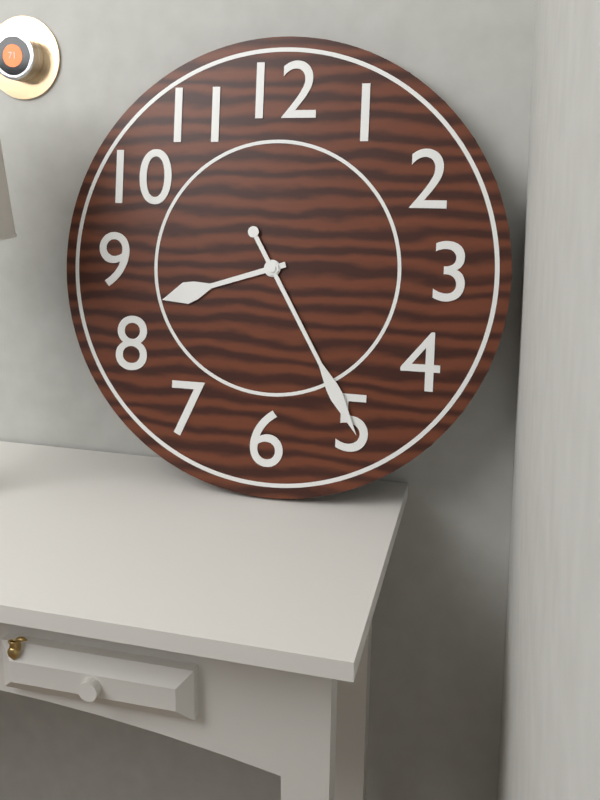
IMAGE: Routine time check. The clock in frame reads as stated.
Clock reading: 8:25
